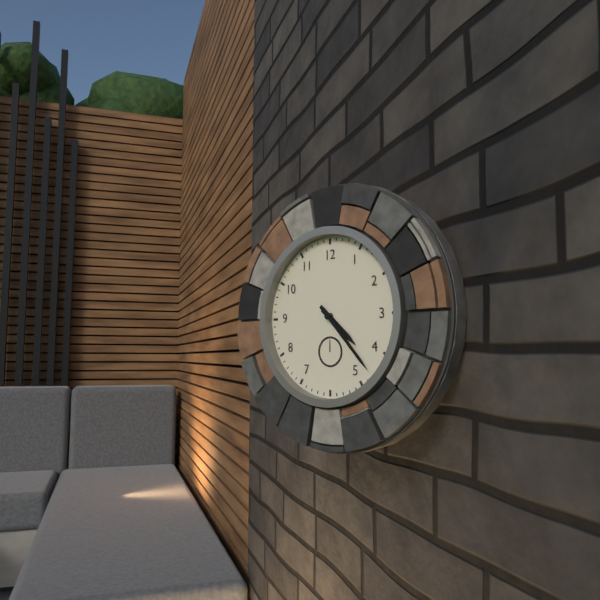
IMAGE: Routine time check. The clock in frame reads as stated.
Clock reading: 4:23
